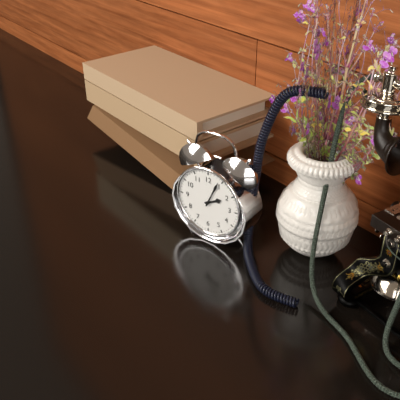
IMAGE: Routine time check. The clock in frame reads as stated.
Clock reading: 2:04
